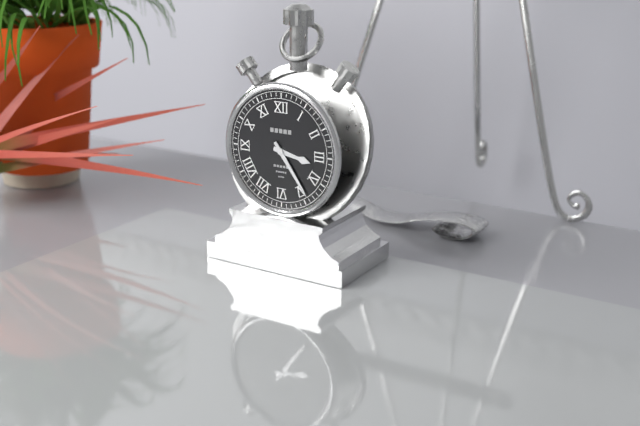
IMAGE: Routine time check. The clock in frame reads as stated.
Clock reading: 3:24
